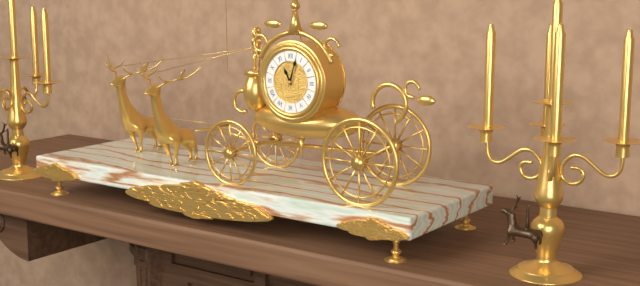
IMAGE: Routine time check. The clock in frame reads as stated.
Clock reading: 11:03
